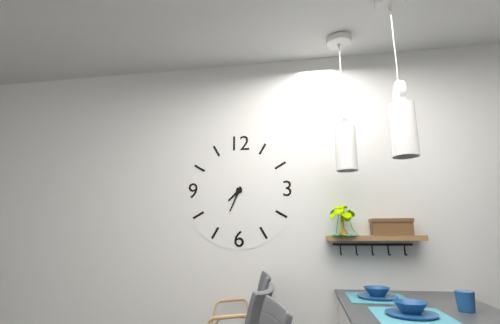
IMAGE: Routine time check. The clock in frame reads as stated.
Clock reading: 7:34
